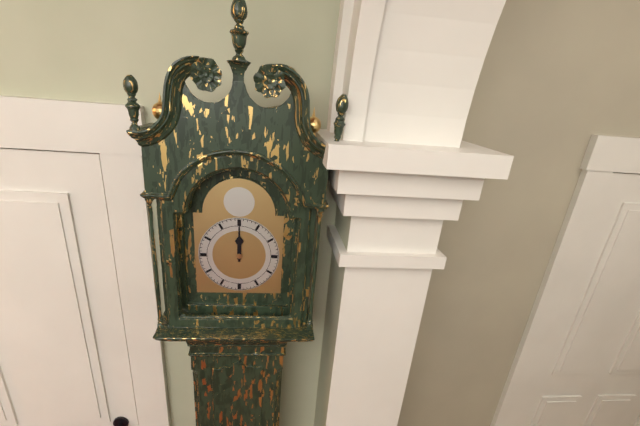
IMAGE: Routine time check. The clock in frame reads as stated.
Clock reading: 12:00
